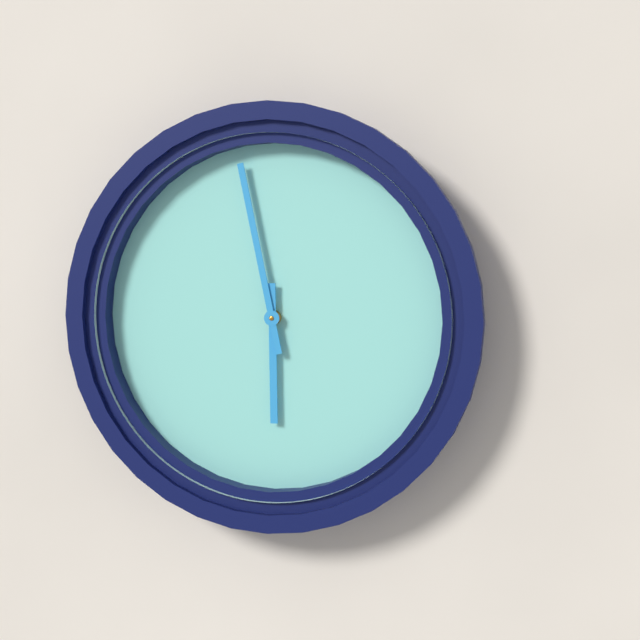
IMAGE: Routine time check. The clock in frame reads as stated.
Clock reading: 5:58
